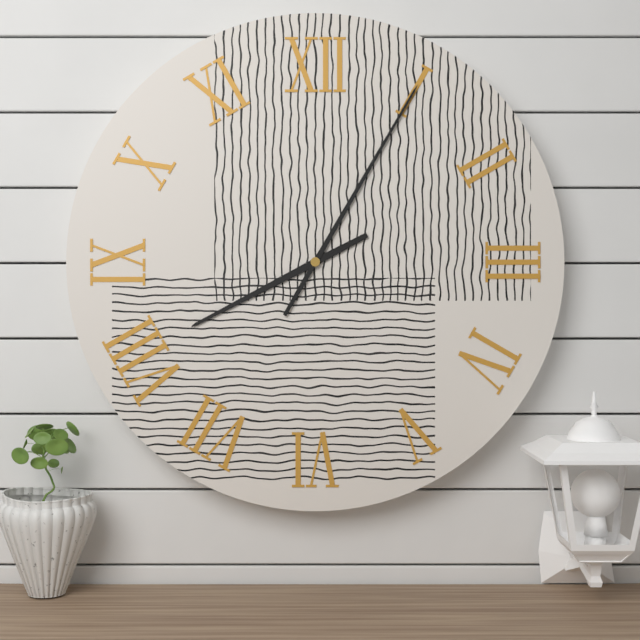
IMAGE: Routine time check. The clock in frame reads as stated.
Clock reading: 8:05
